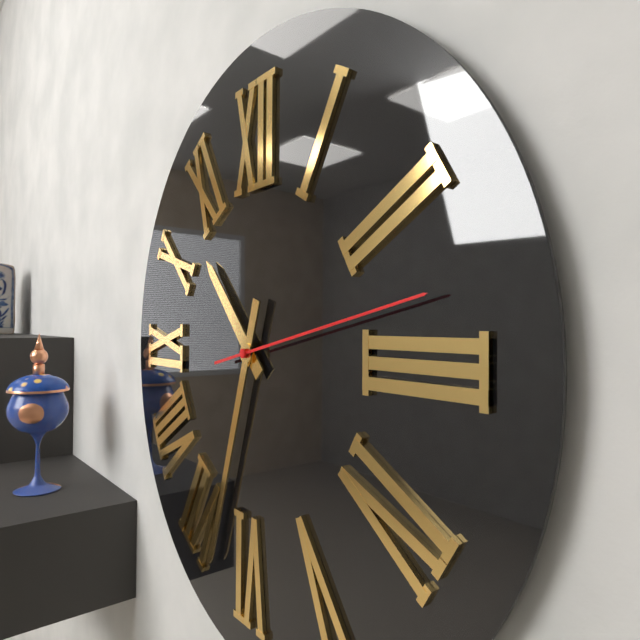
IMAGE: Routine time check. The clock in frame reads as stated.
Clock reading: 10:33:13
